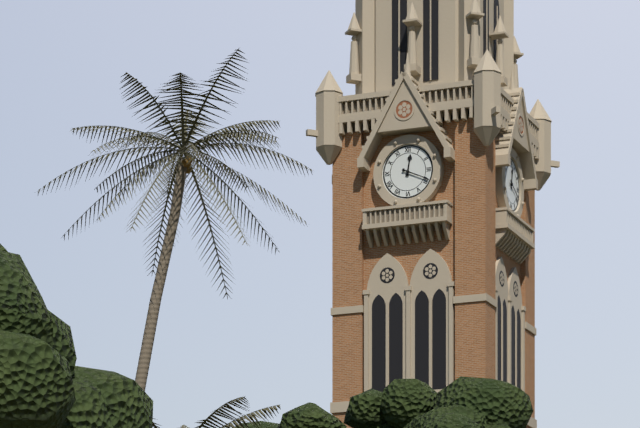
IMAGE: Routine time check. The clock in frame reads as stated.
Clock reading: 12:19
